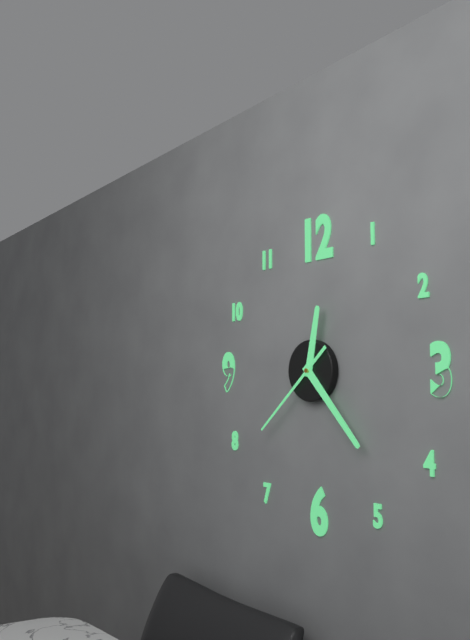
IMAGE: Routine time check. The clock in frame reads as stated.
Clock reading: 12:23:38
